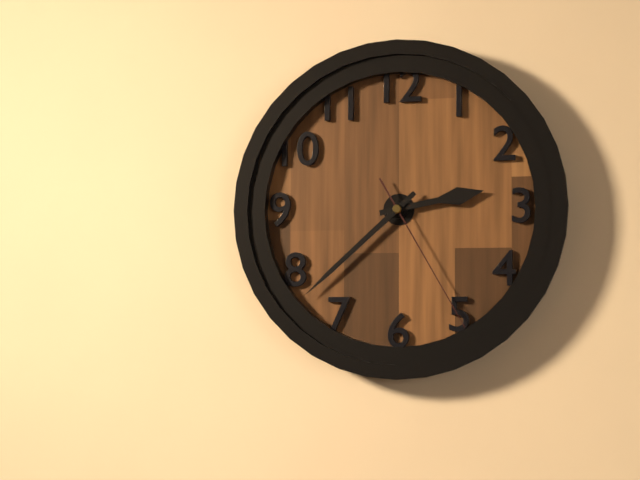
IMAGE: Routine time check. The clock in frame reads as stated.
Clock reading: 2:38:25
